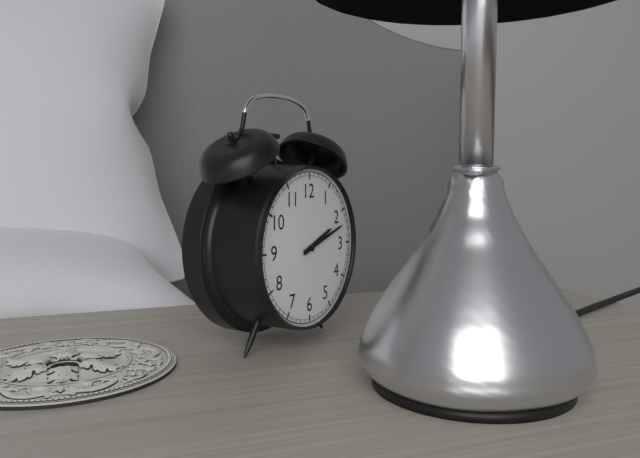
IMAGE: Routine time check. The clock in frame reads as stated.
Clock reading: 2:12
